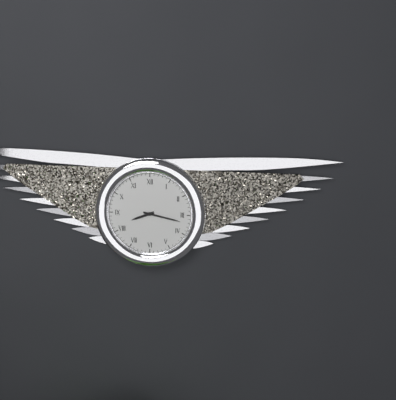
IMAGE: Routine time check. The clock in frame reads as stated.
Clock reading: 8:17
